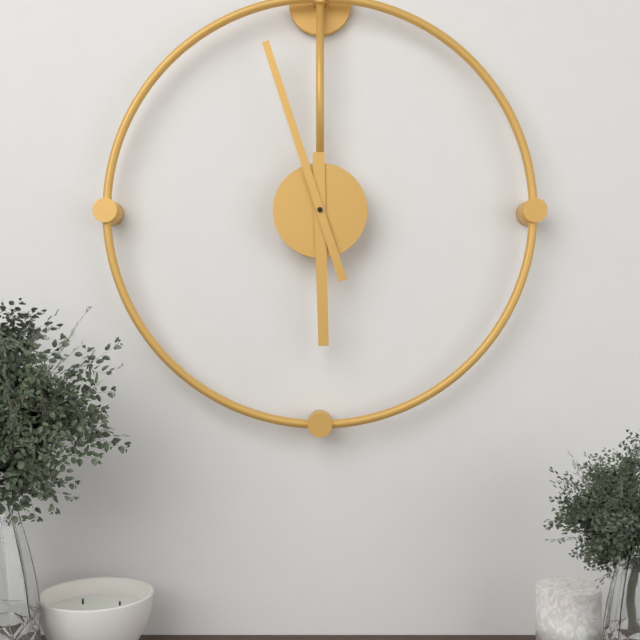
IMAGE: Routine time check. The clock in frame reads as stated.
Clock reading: 5:57
